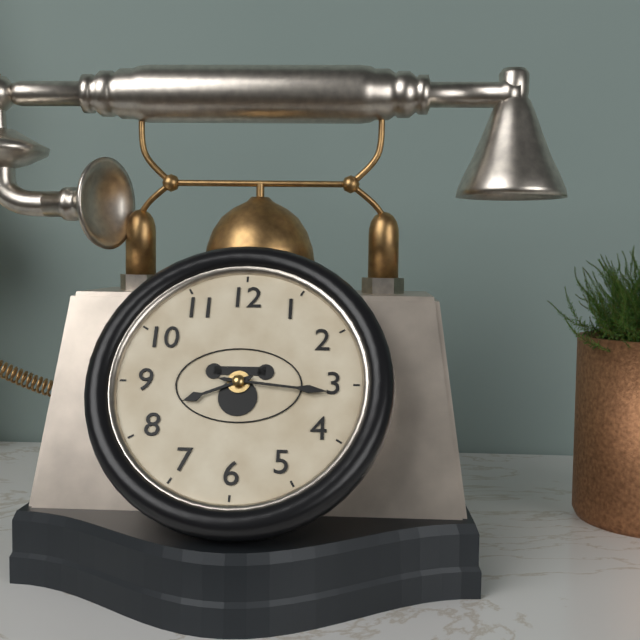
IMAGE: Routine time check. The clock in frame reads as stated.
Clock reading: 8:16
